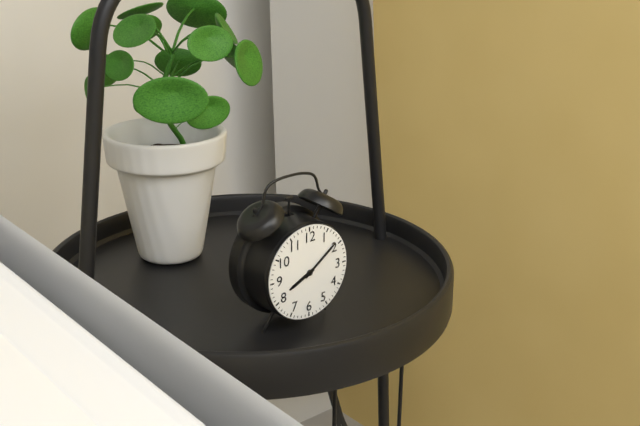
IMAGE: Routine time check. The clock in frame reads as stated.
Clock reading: 8:09
